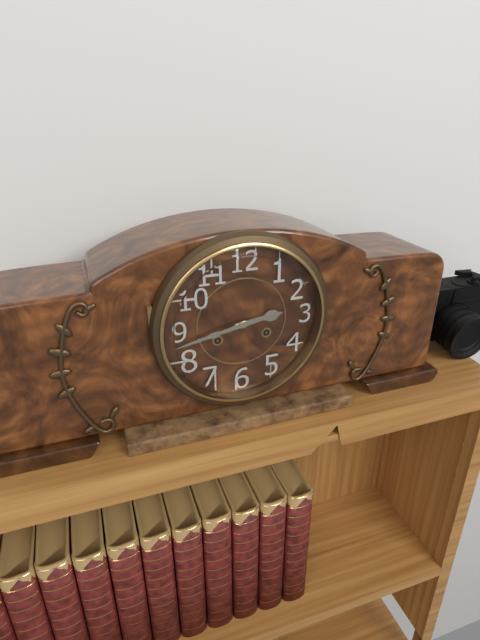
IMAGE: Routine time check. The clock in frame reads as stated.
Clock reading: 2:43
